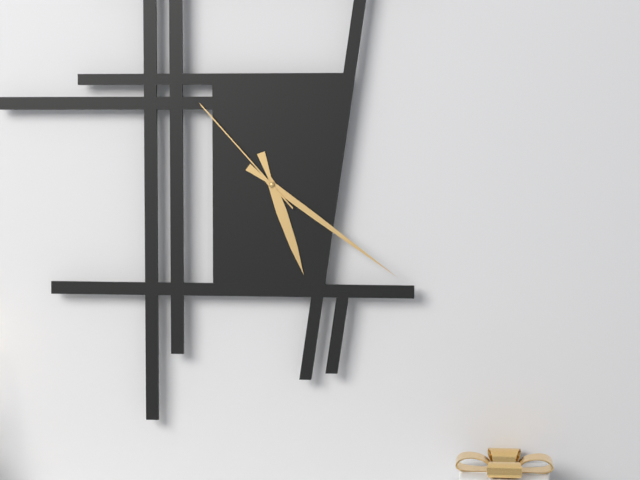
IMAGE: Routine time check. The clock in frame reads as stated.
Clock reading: 5:21:53
